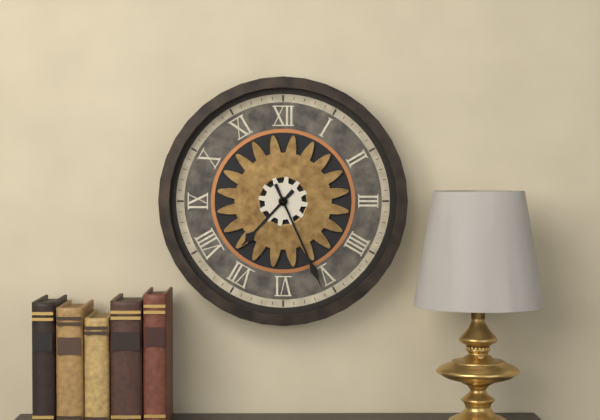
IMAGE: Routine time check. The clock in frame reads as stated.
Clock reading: 7:26
